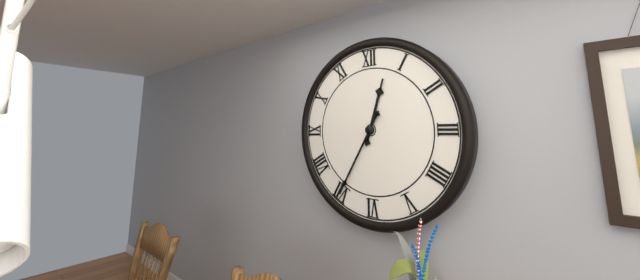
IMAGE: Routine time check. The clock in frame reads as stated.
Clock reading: 12:35
